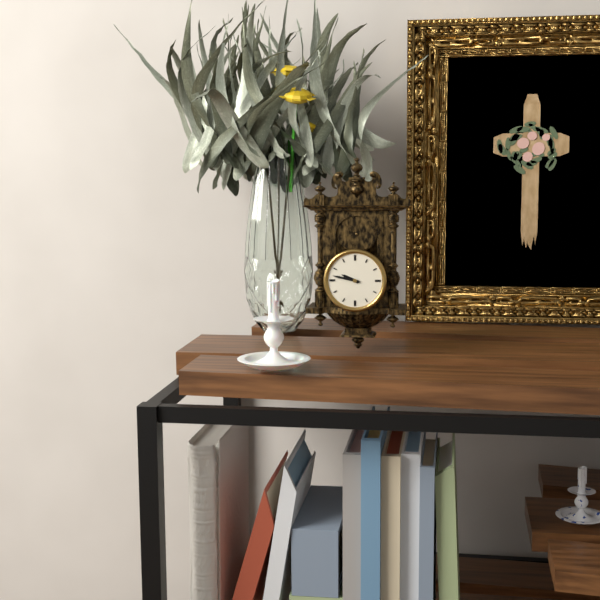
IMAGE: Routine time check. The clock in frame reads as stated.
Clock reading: 9:47
